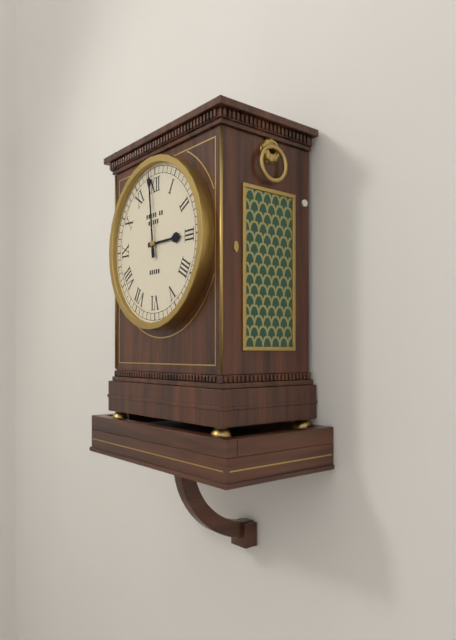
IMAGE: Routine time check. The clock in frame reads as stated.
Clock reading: 2:59
